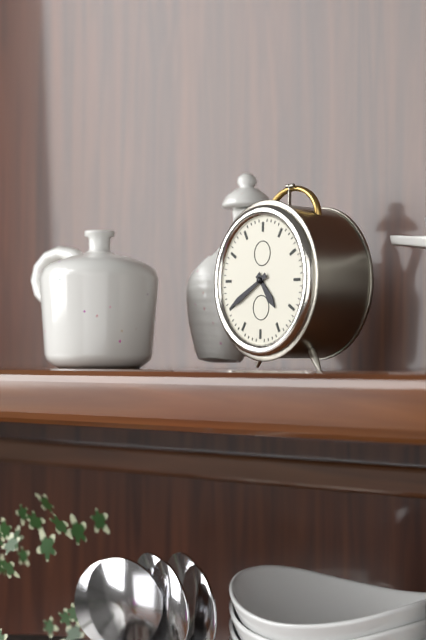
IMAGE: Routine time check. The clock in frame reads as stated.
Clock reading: 4:40
